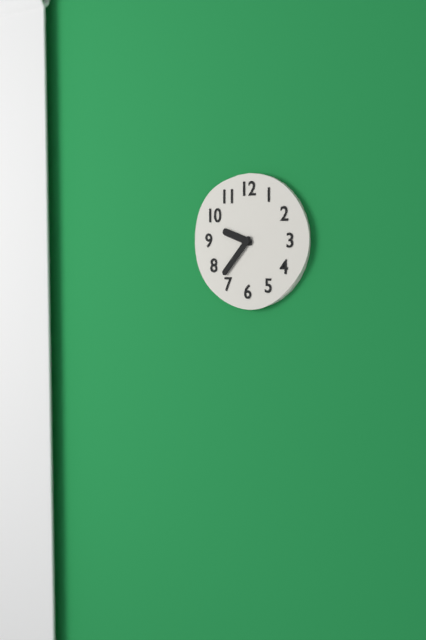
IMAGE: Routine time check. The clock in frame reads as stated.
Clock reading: 9:37
